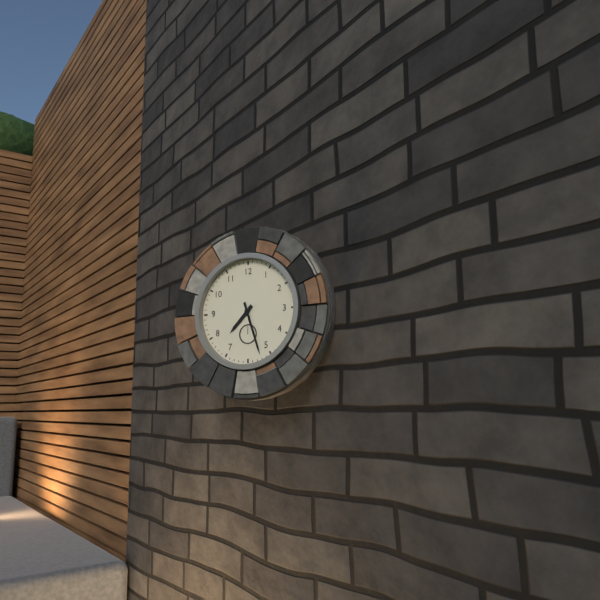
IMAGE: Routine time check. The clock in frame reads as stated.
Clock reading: 7:27
